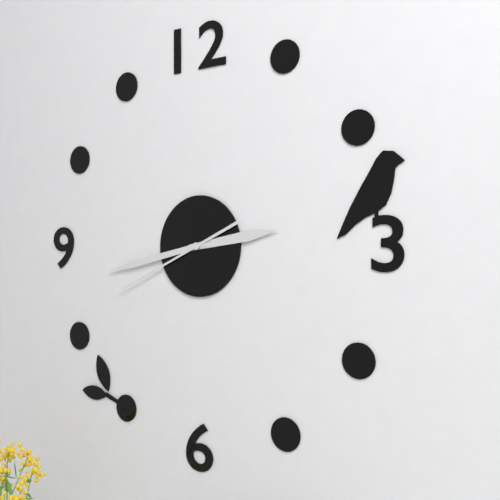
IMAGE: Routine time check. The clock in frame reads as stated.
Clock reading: 2:43:41
